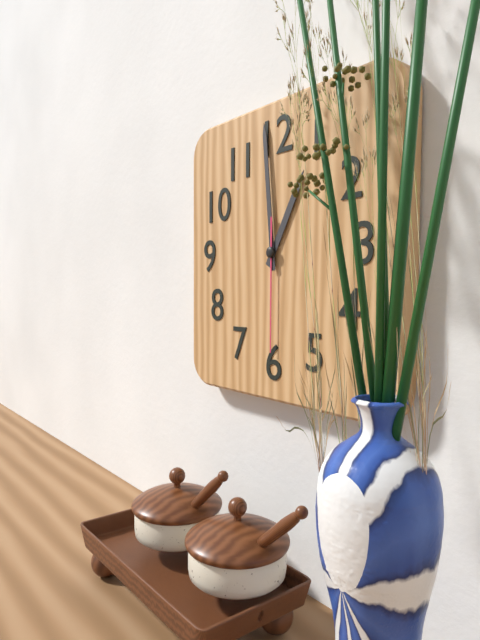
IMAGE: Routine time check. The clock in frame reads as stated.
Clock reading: 12:59:30
